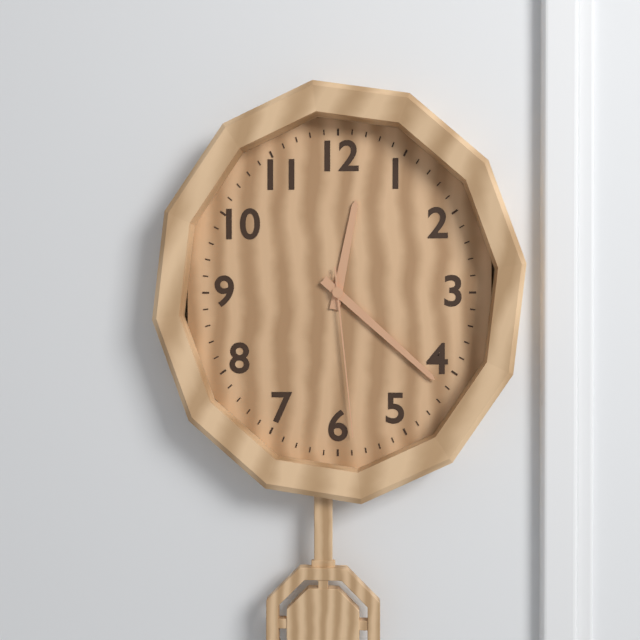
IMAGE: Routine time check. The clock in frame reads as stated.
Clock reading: 12:22:29
